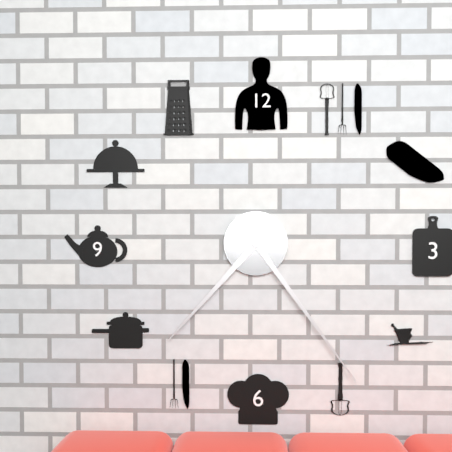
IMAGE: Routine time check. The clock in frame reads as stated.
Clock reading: 7:24
